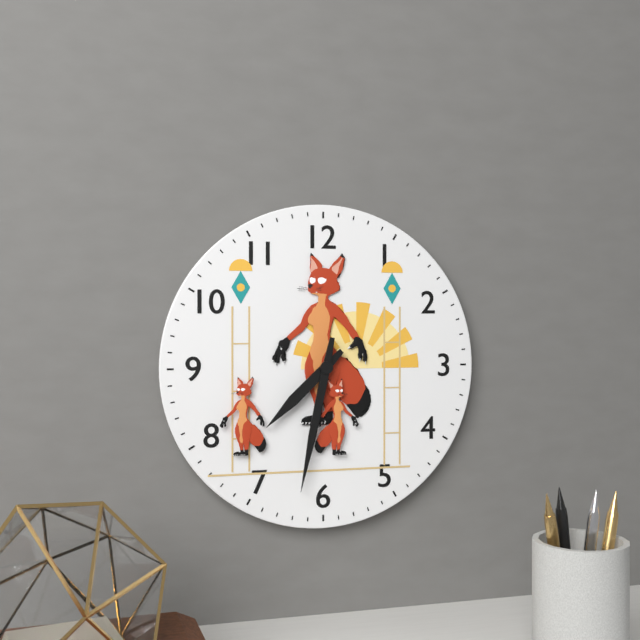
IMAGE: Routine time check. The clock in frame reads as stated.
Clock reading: 7:32
